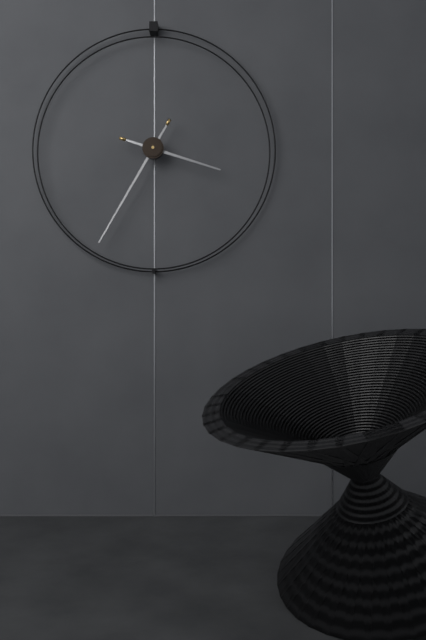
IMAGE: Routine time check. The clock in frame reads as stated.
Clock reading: 3:35
